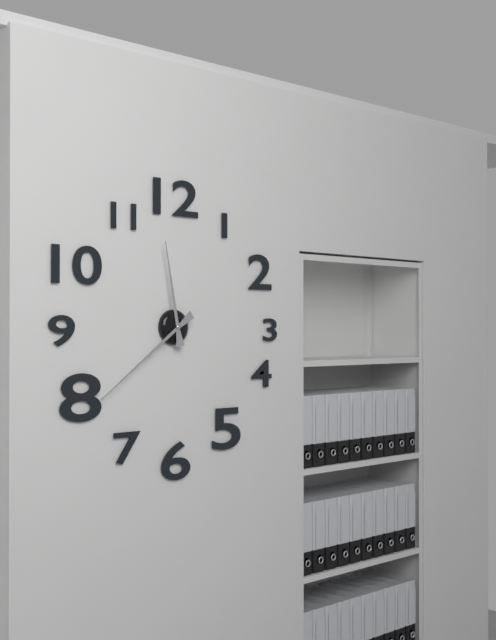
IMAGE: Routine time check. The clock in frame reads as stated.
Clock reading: 11:39
